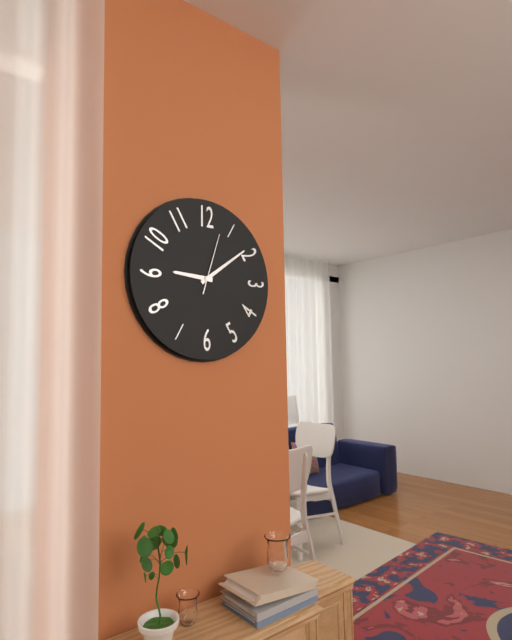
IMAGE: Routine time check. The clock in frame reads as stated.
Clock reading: 9:09:03
